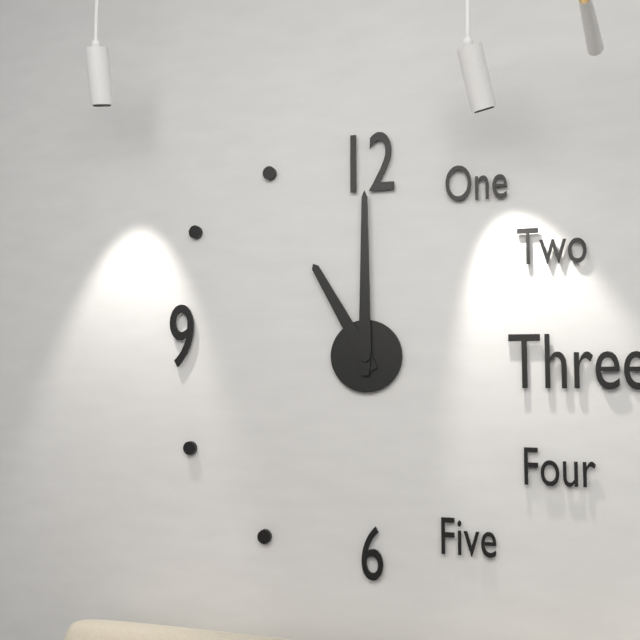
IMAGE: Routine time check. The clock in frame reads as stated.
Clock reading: 11:00
